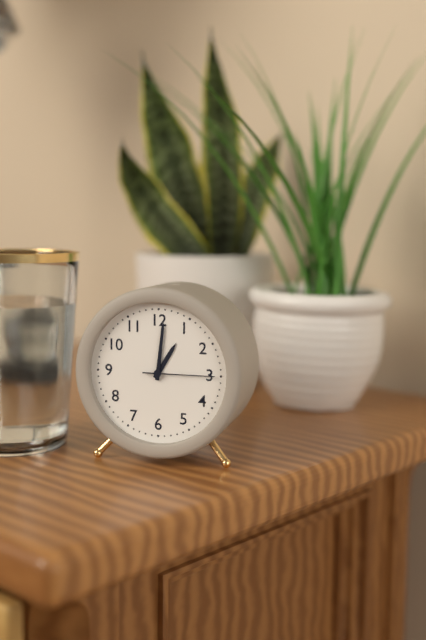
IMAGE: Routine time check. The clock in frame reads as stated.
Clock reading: 1:01:15
